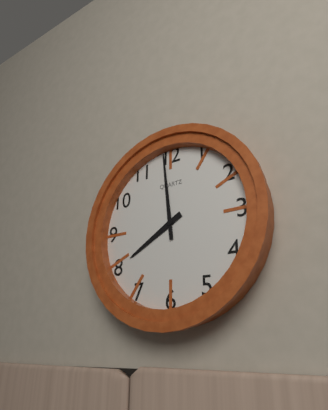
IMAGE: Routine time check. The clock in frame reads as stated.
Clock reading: 7:59
